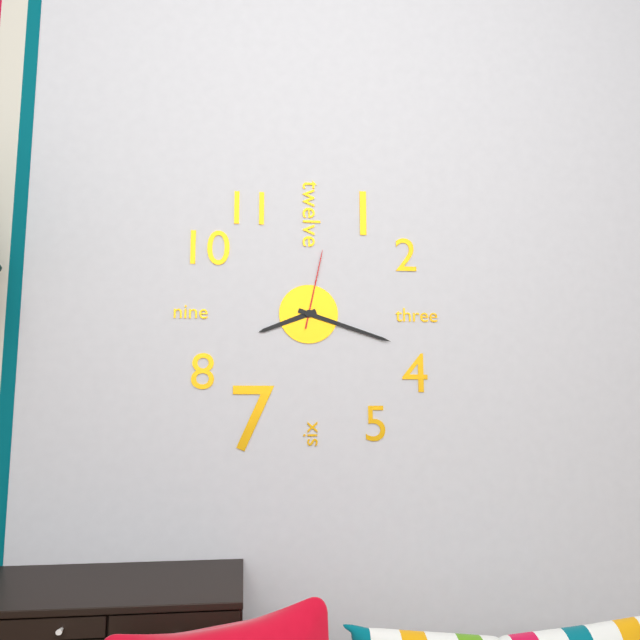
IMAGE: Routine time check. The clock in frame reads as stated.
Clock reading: 8:18:02
